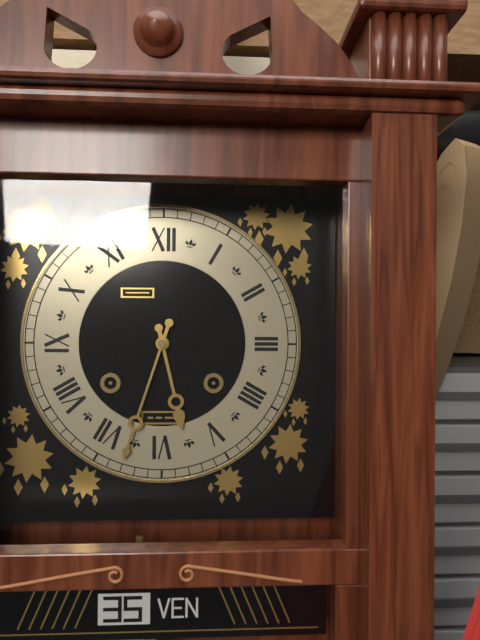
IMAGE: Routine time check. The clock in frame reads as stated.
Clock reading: 5:33
